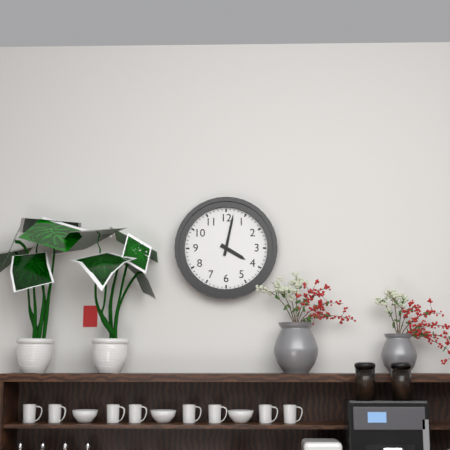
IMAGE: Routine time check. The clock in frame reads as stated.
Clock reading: 4:02
